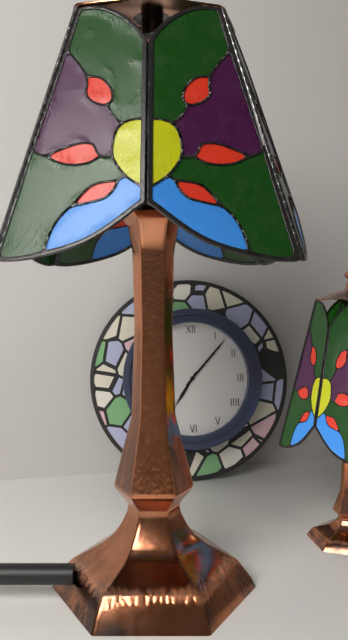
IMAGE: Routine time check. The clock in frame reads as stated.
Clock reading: 7:07
